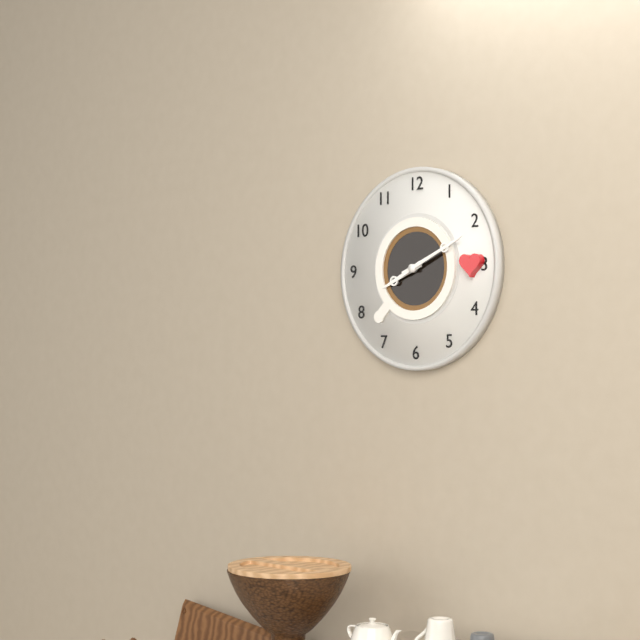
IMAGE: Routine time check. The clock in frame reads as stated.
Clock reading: 8:11
